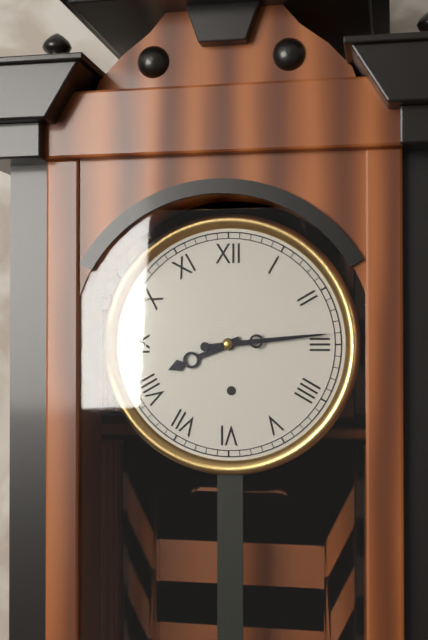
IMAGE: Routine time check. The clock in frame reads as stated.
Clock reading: 8:14
